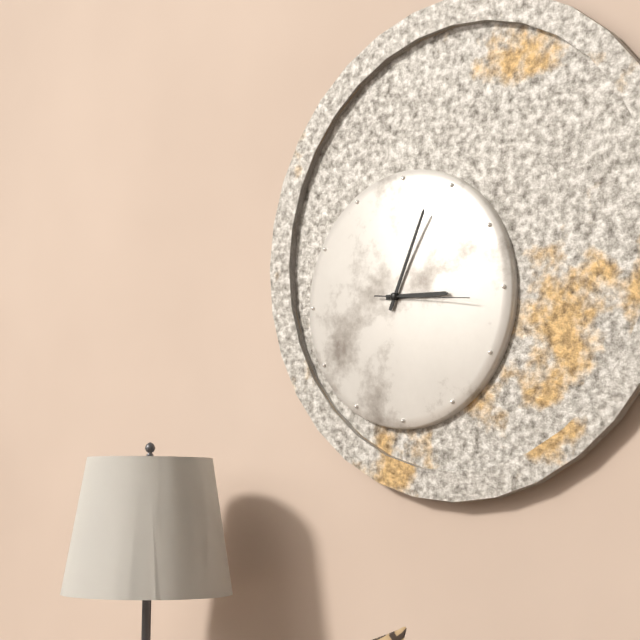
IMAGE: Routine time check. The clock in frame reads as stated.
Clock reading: 3:04:16
